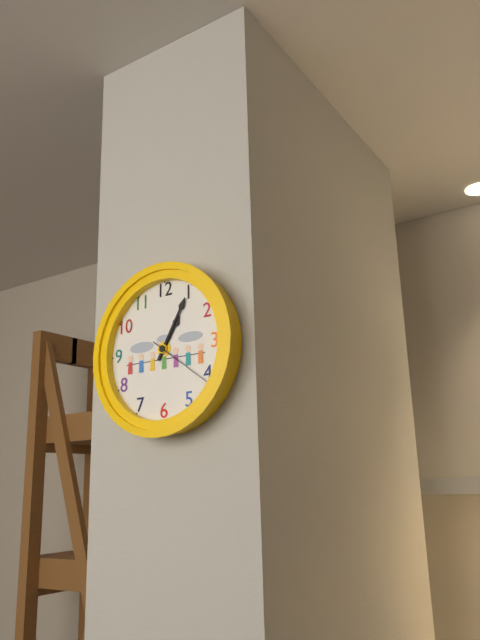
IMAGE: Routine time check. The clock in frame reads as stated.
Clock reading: 1:05:21
